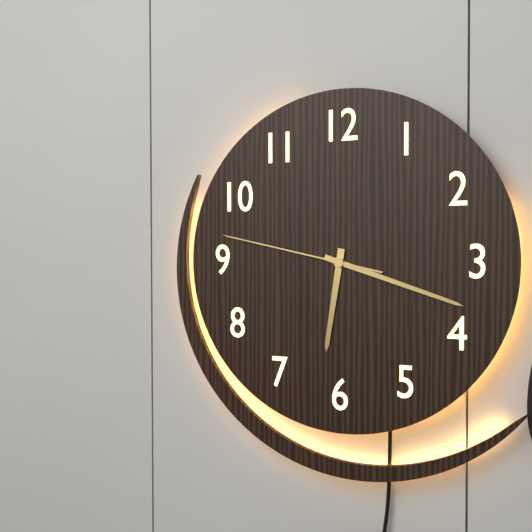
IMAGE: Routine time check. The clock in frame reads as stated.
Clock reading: 6:18:47
